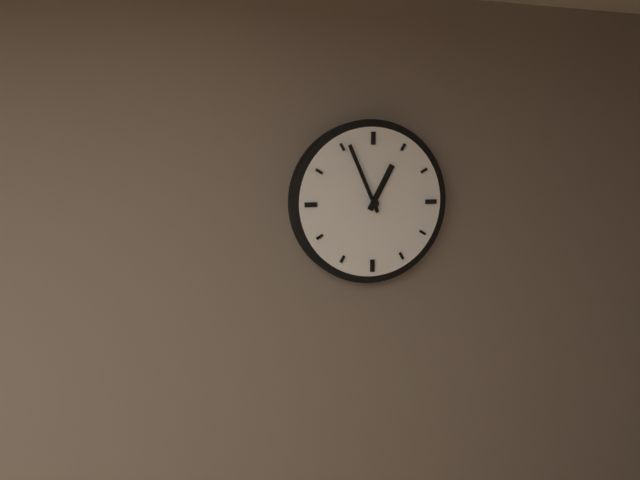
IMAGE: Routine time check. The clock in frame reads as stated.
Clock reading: 12:56
